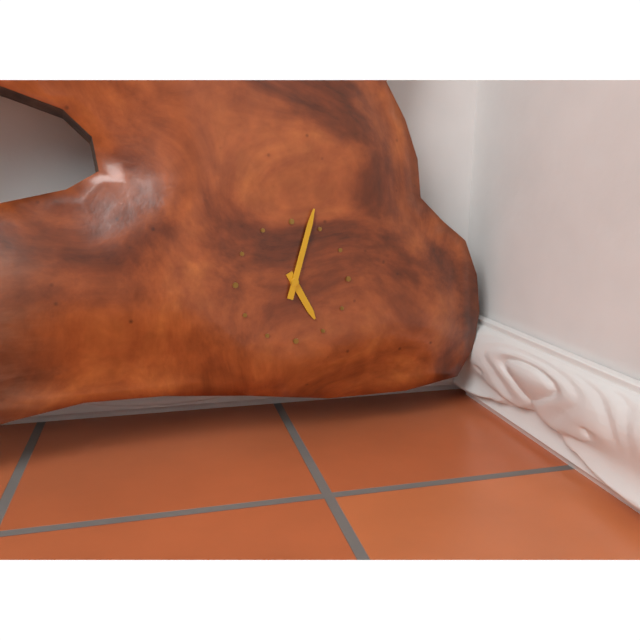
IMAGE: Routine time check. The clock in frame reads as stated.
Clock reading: 5:03
